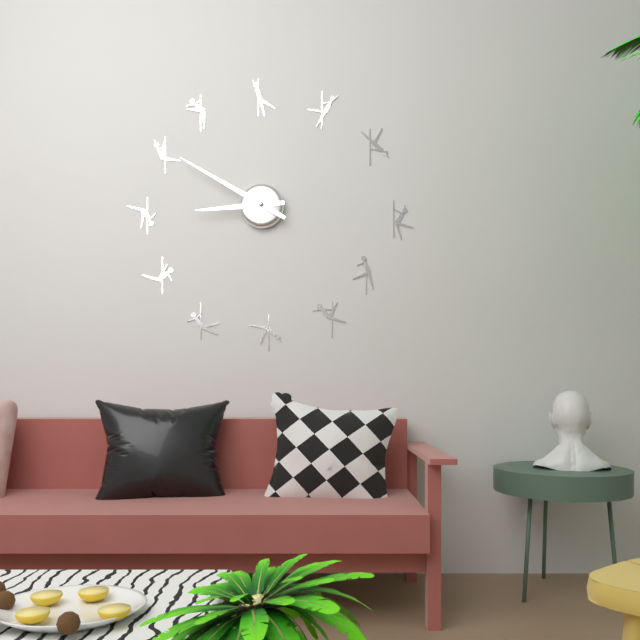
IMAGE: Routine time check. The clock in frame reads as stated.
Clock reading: 8:50
